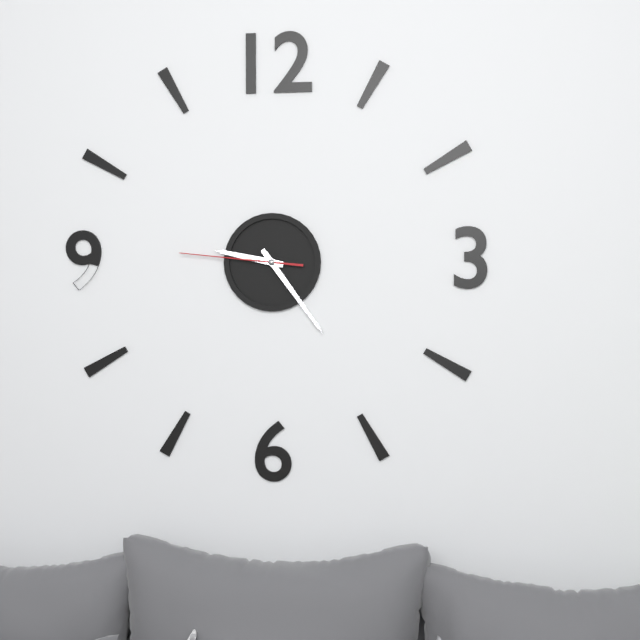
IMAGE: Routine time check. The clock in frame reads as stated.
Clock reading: 9:24:46
